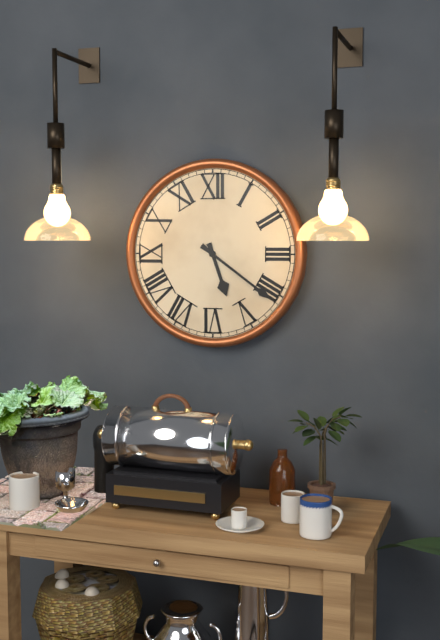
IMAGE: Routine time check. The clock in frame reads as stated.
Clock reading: 5:21
